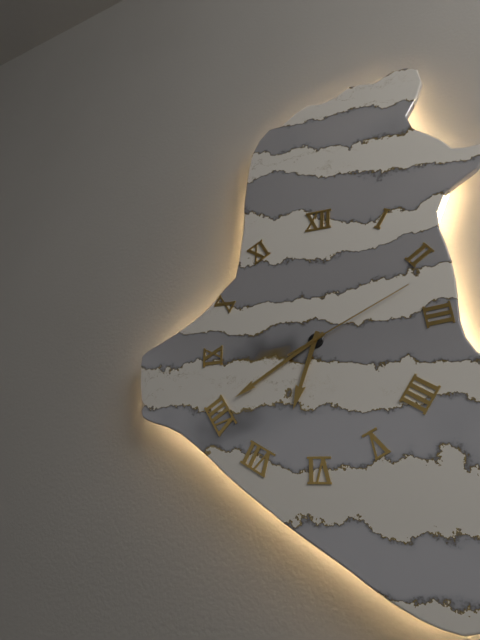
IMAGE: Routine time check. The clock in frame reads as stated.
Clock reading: 6:40:11
